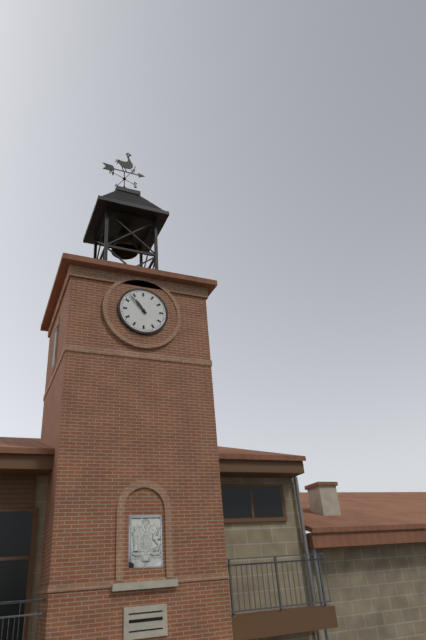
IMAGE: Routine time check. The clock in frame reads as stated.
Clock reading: 10:53
